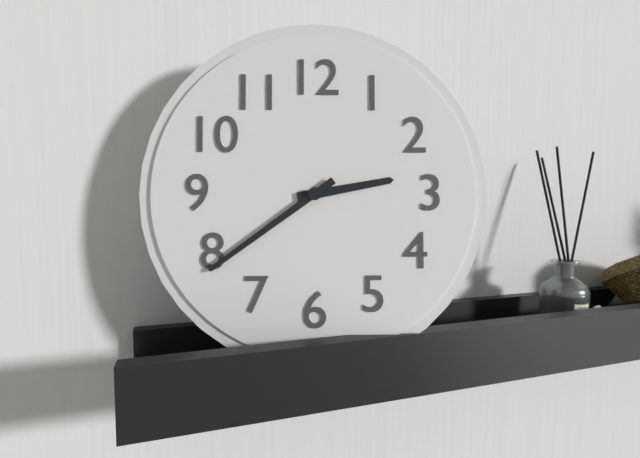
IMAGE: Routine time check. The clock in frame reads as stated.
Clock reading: 2:39
